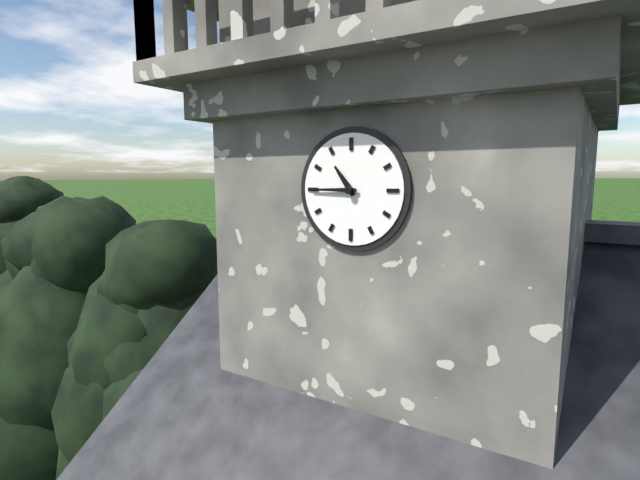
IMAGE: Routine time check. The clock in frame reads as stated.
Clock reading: 10:45
